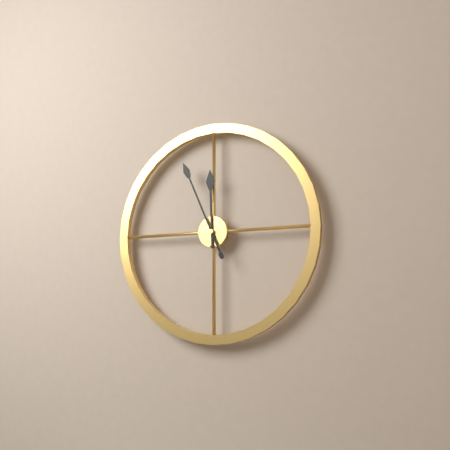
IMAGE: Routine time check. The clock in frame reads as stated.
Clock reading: 11:56
